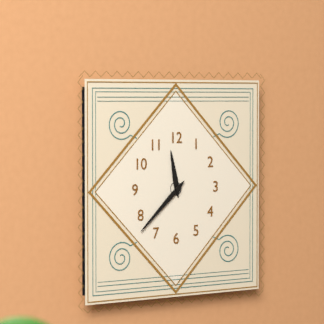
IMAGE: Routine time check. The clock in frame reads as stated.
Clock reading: 11:38
